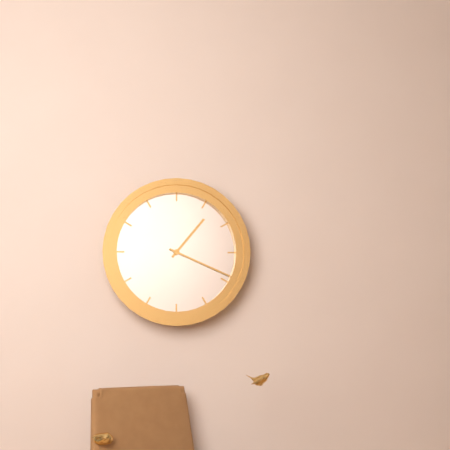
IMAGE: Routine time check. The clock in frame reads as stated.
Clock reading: 1:19
